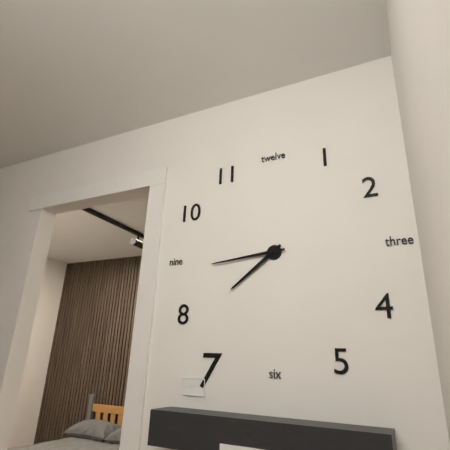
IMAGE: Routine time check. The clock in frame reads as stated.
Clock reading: 7:44
